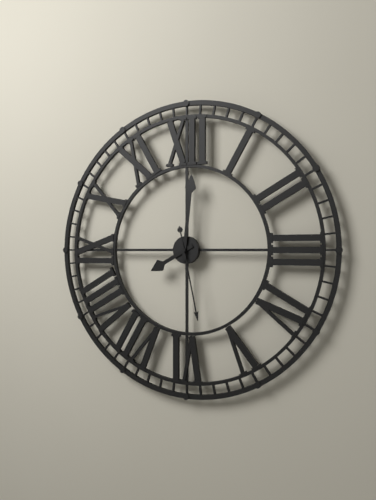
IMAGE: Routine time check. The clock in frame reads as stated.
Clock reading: 8:01:28
